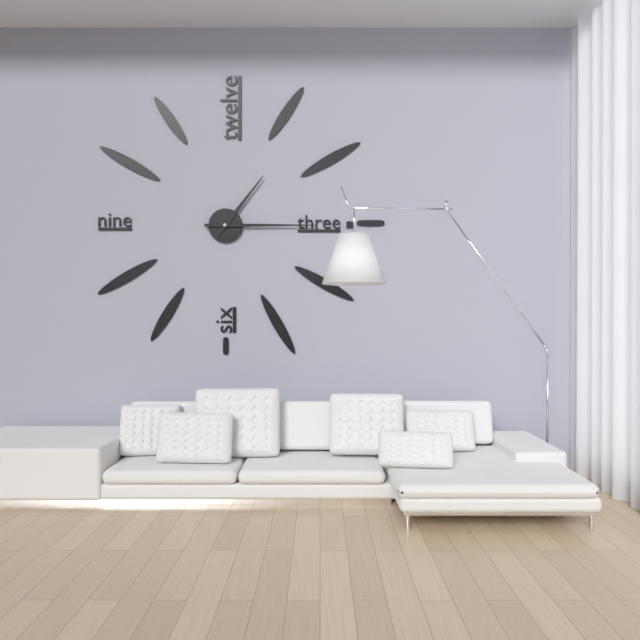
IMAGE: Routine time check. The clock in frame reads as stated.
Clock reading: 1:15
